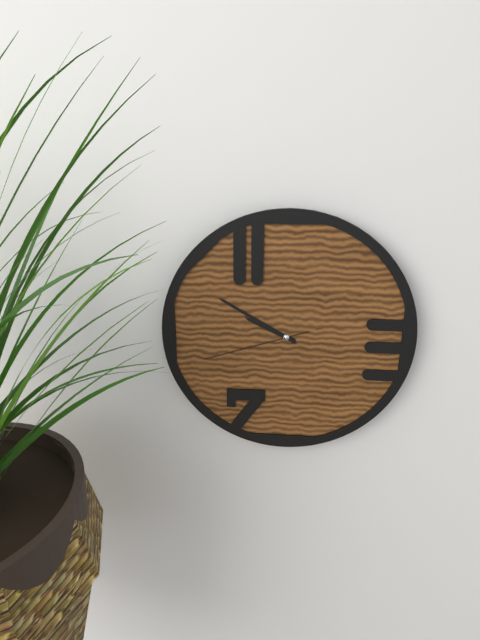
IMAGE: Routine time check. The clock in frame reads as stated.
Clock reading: 9:50:42
